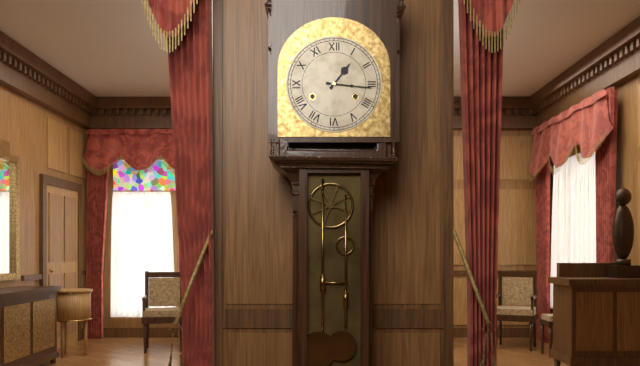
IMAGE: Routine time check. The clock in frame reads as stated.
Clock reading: 1:16
